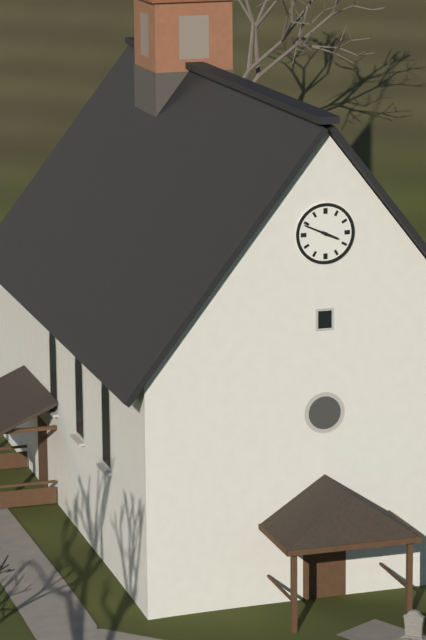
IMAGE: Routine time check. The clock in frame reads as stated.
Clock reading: 3:49
